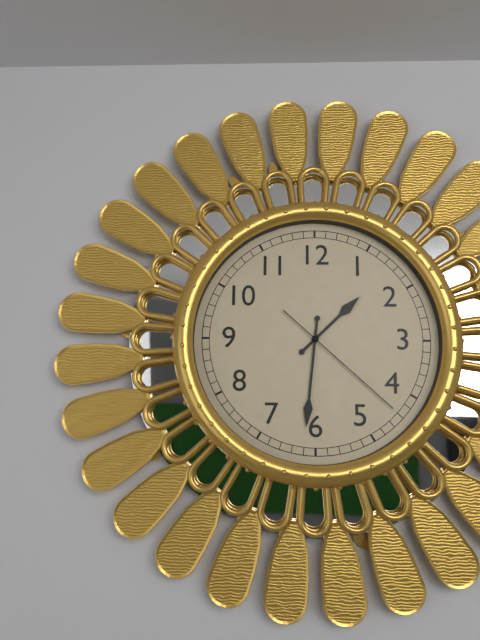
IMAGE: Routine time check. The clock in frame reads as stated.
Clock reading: 1:31:22
